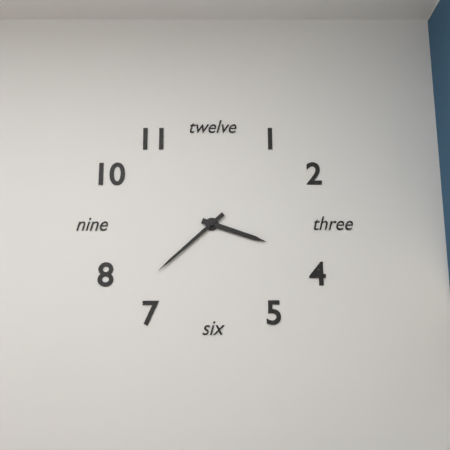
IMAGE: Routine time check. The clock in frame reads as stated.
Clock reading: 3:38
